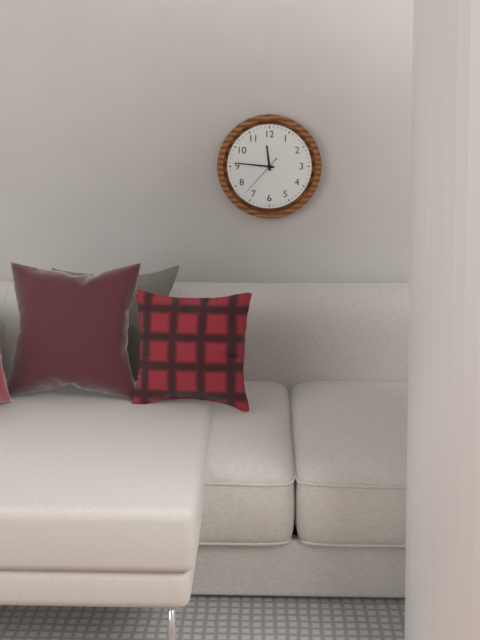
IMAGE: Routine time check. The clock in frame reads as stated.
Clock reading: 11:46
